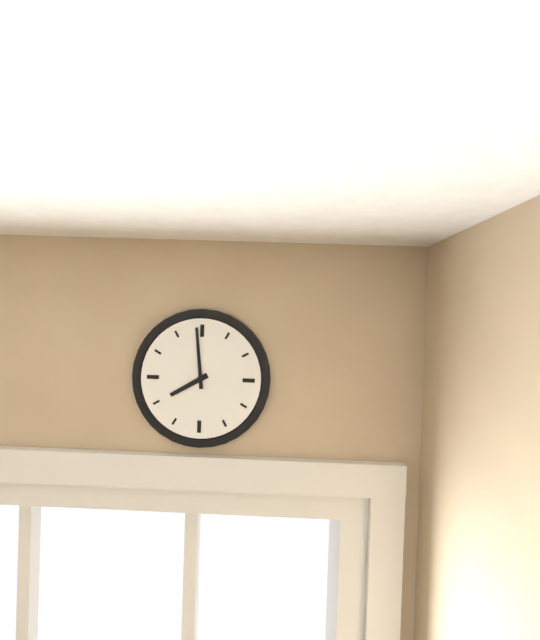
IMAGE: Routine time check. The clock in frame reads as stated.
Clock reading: 7:59
